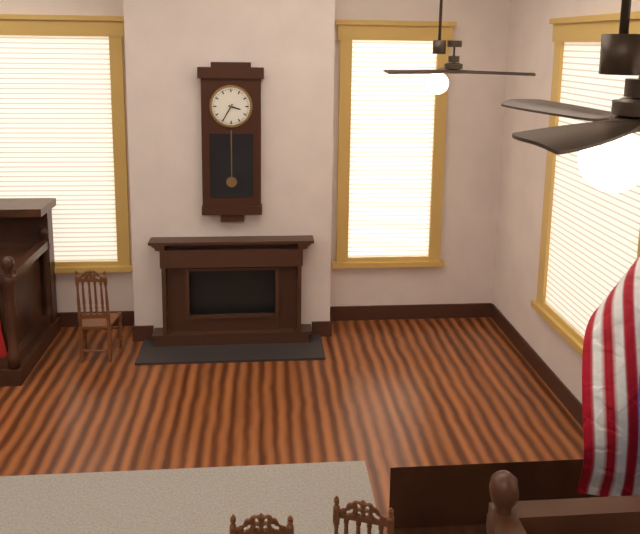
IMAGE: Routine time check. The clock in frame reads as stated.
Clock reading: 3:35
